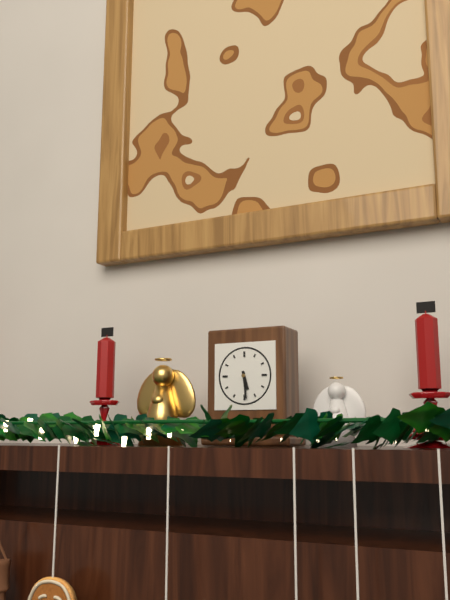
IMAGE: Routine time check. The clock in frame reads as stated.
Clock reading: 5:29
